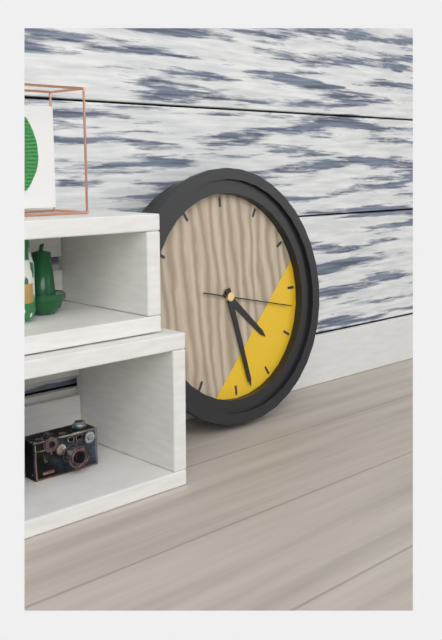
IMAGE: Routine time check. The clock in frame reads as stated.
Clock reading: 4:28:17
